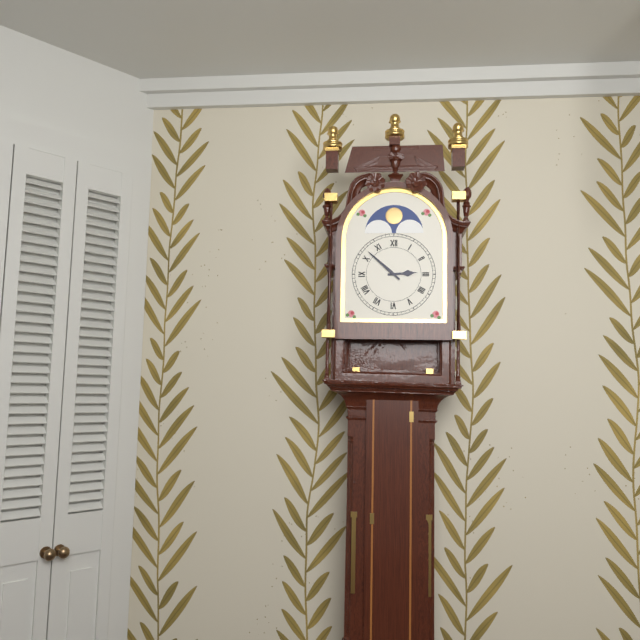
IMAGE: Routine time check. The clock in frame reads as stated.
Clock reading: 2:52
